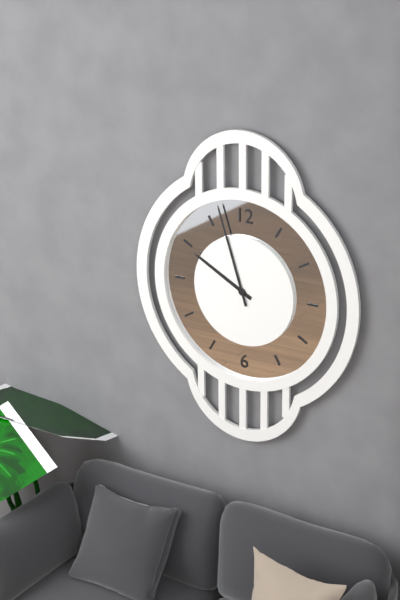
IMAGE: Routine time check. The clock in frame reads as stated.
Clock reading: 9:57
